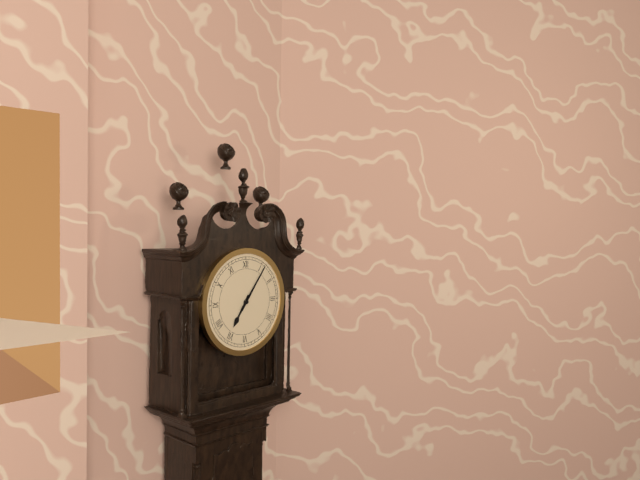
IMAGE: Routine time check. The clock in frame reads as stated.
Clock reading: 7:06
